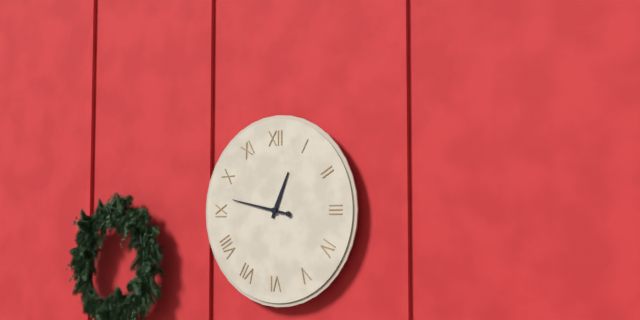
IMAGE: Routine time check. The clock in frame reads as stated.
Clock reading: 12:47
